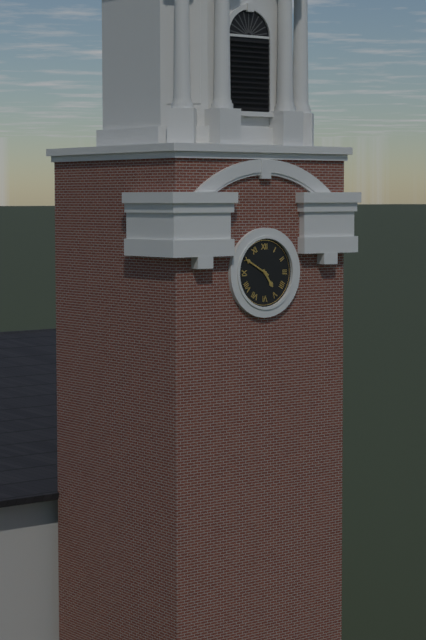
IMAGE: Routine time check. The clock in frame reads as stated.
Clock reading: 4:50
